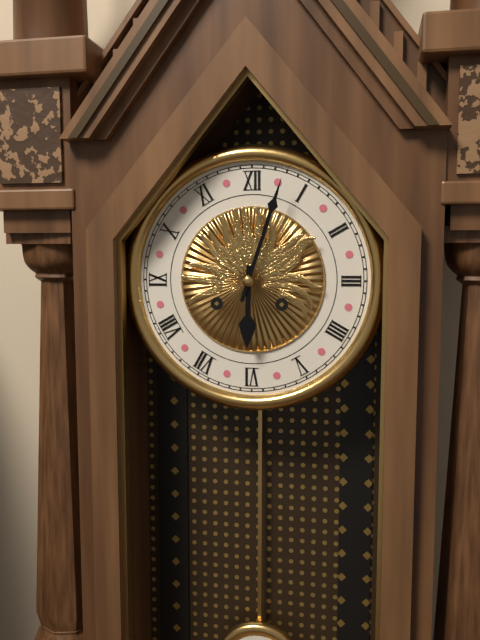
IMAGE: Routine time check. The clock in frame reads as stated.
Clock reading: 6:03
